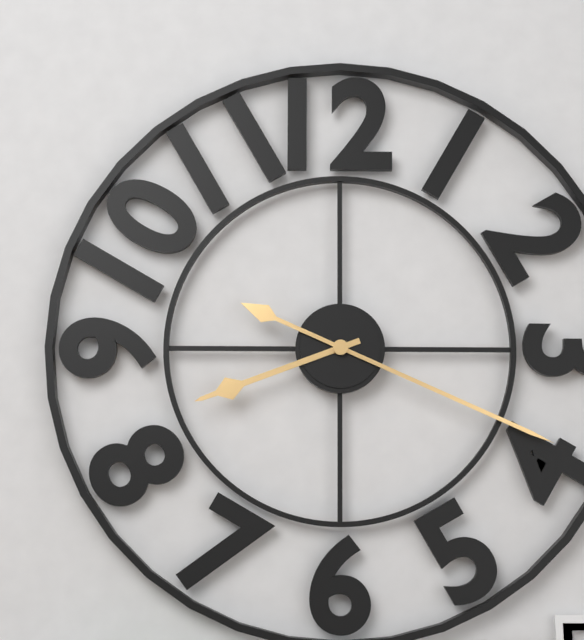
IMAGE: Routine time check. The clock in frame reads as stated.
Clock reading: 8:19
